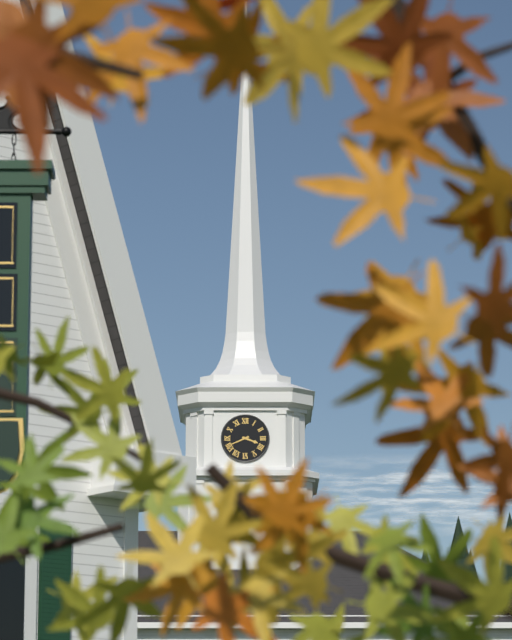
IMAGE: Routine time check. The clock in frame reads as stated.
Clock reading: 3:41
